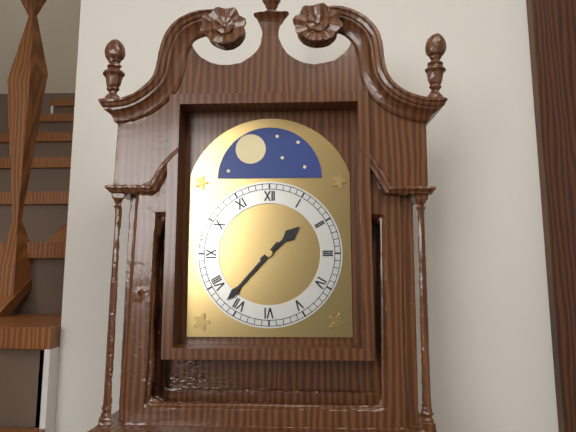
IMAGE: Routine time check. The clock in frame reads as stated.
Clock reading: 1:37
